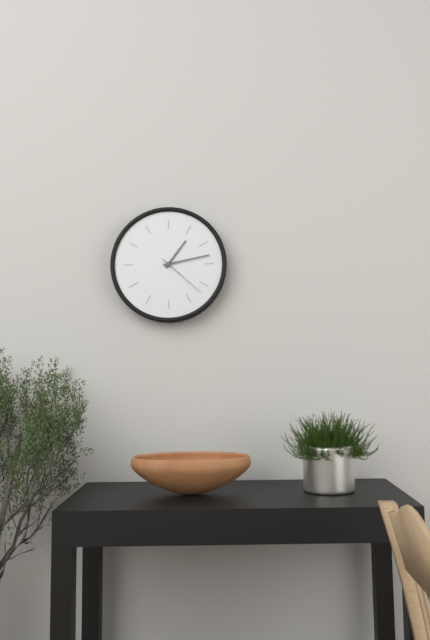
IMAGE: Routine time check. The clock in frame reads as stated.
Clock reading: 1:13:22
